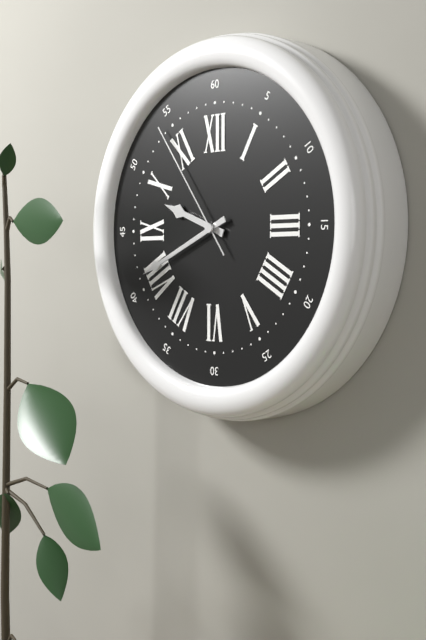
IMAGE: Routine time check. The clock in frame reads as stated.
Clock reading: 9:41:54
